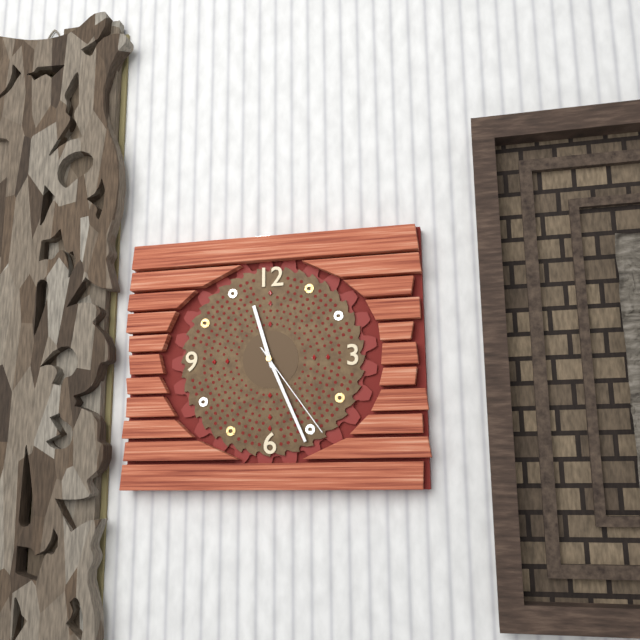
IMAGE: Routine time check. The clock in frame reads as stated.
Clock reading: 11:26:24
